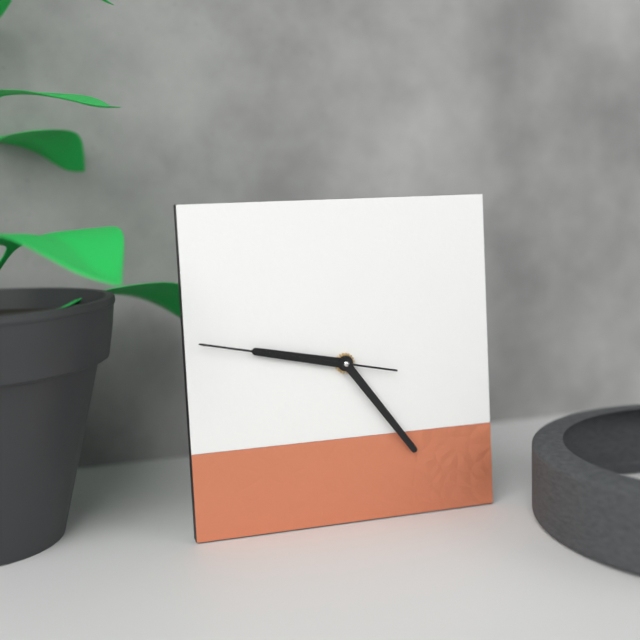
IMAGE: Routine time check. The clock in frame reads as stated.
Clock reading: 9:24:47
